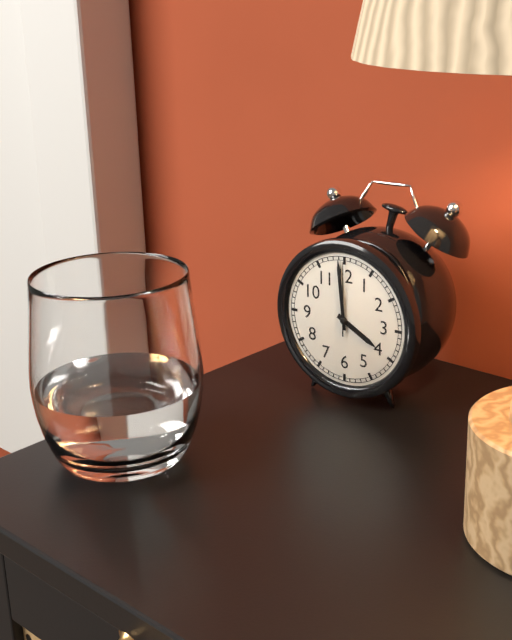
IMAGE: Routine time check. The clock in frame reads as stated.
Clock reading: 3:59:00
